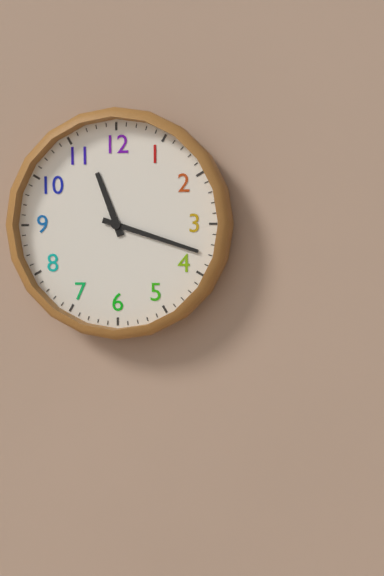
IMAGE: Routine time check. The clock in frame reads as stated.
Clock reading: 11:18
